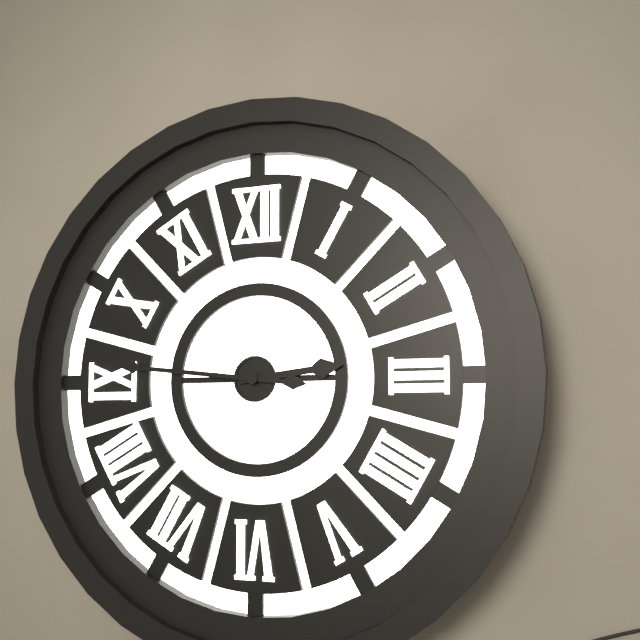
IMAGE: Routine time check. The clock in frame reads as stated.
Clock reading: 2:46
